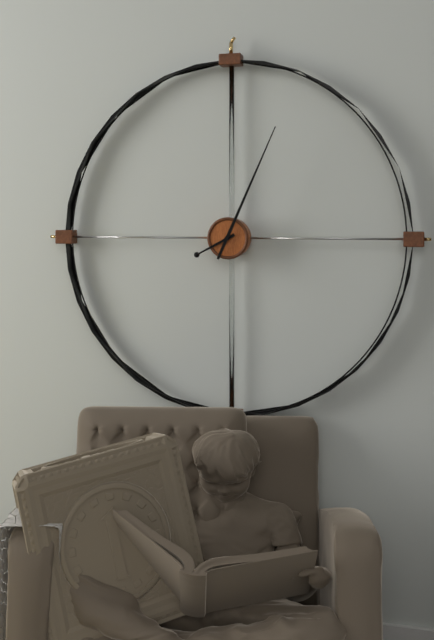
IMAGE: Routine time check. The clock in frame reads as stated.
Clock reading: 8:04
